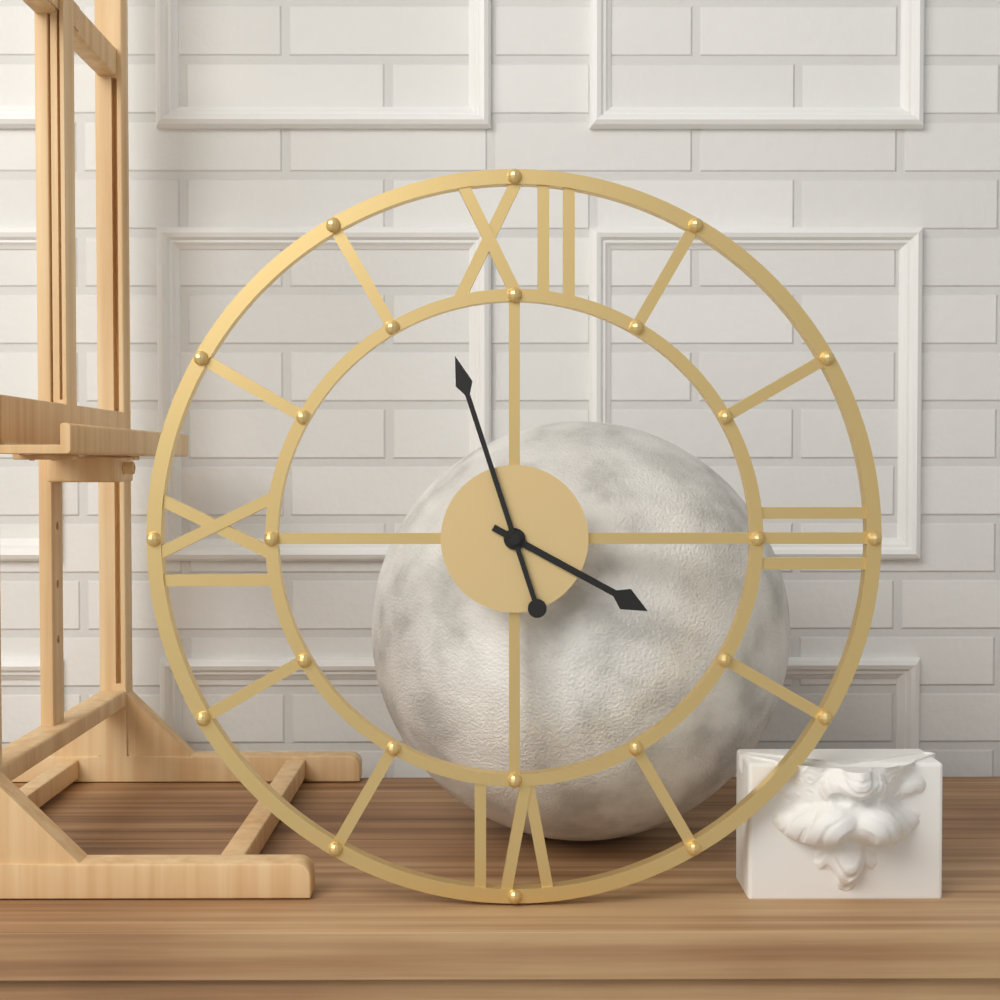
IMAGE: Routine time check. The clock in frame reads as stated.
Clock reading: 3:57
